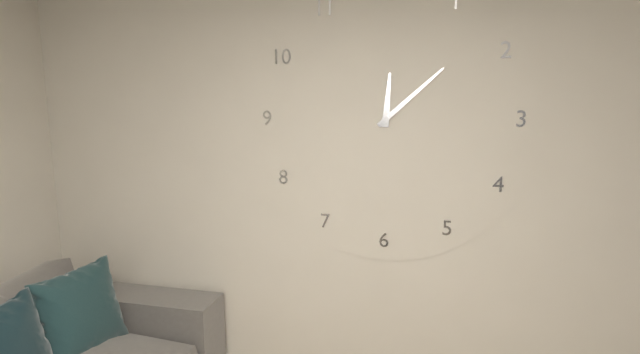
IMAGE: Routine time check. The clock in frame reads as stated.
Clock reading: 12:08
